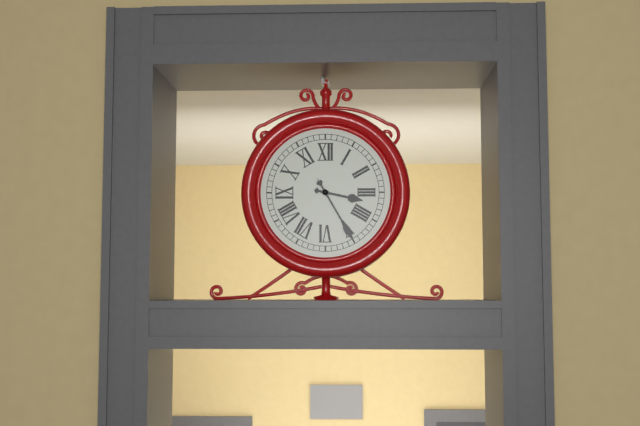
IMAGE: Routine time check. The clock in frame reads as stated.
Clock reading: 3:25
